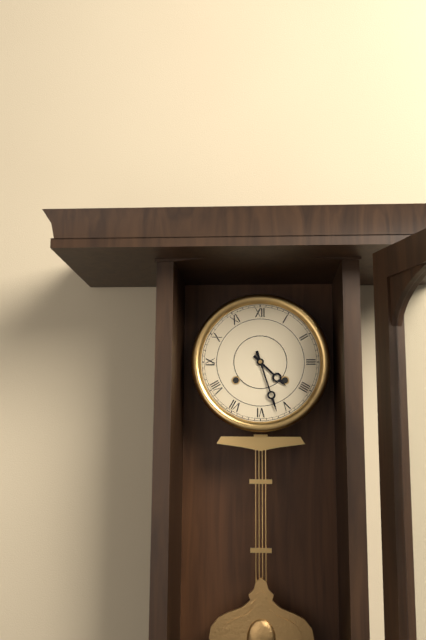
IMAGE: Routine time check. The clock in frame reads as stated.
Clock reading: 4:27
